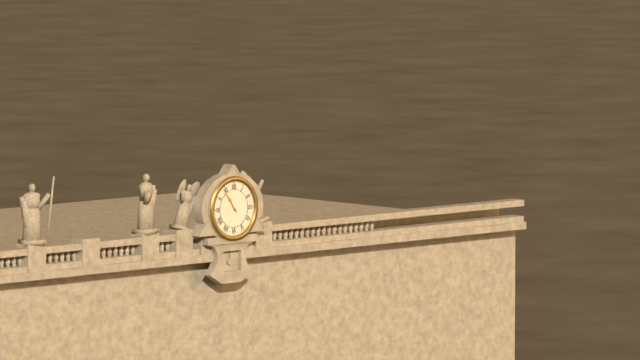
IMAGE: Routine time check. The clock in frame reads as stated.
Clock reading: 10:54
